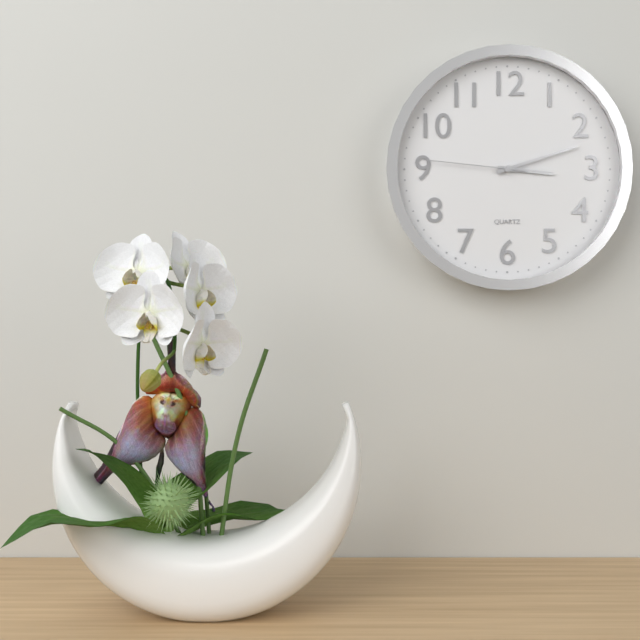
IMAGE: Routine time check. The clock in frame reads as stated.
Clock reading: 3:12:46
